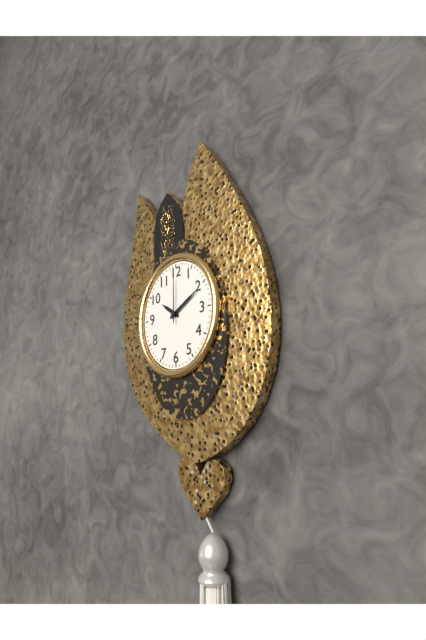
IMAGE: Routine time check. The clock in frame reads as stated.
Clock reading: 10:10:00
